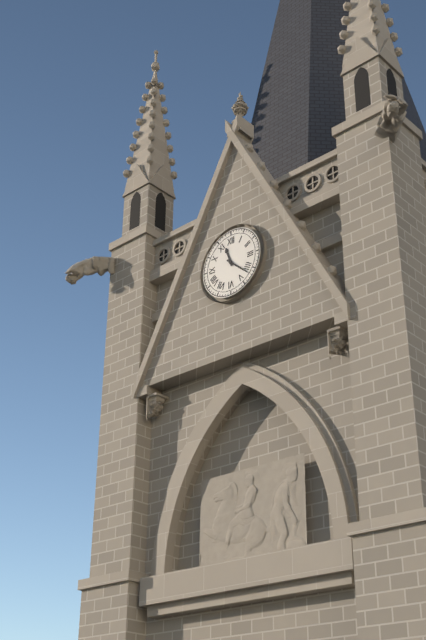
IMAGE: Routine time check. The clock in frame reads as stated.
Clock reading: 11:22
